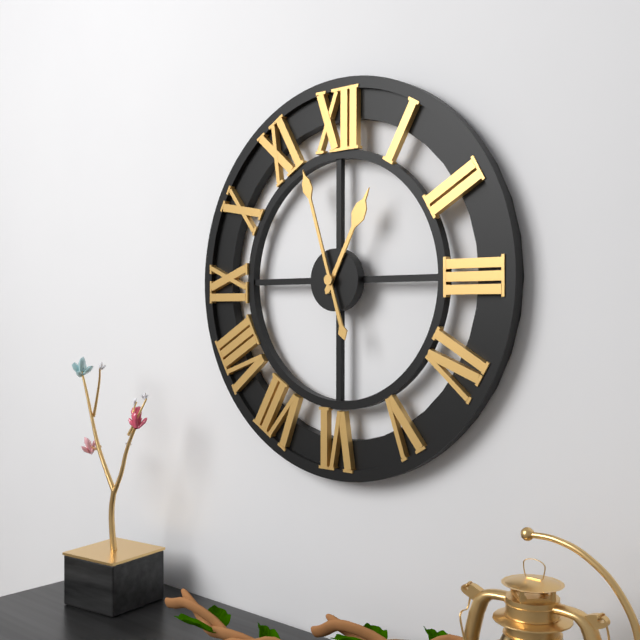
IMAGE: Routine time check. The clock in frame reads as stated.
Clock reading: 12:57
